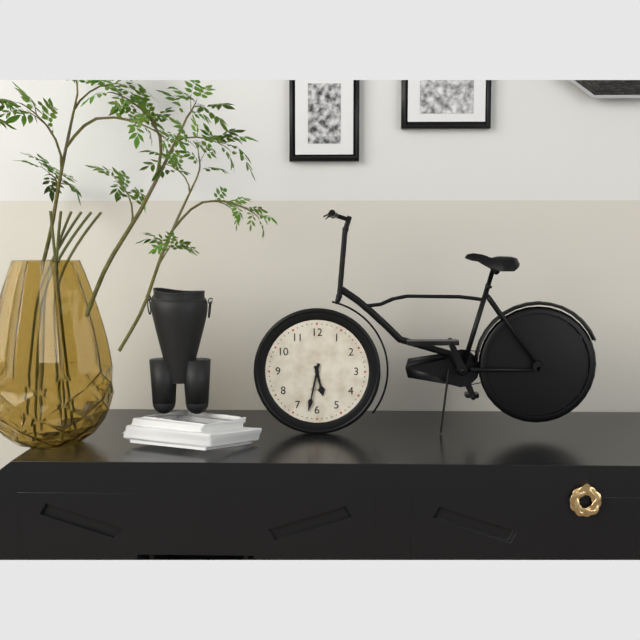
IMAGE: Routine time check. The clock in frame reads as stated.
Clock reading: 5:32
